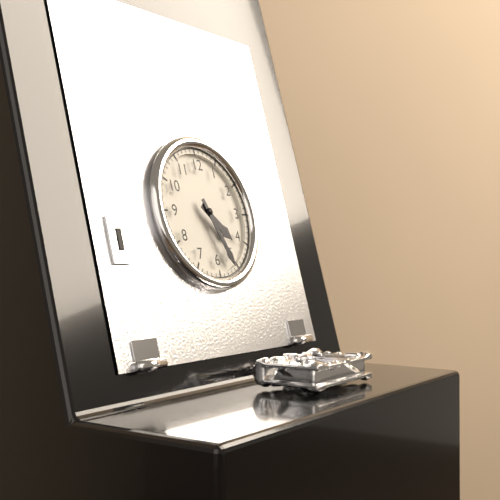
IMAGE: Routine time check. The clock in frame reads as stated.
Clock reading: 4:26
